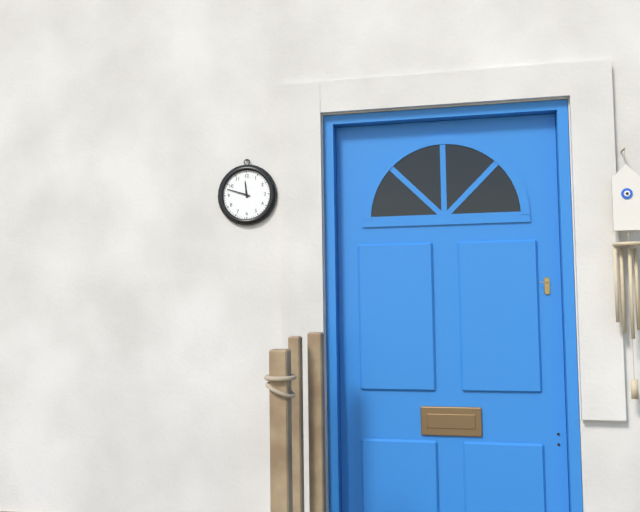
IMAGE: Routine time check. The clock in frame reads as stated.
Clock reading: 11:48
